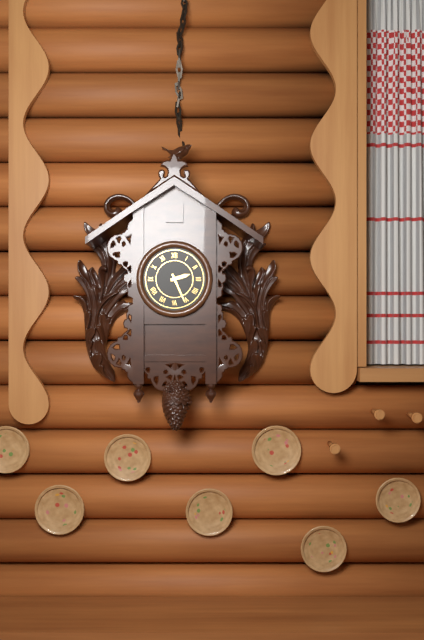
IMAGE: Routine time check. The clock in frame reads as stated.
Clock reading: 2:26
